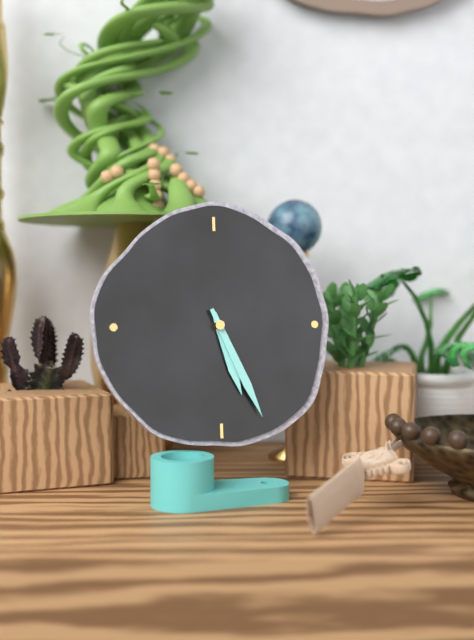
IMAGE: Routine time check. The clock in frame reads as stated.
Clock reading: 5:26
